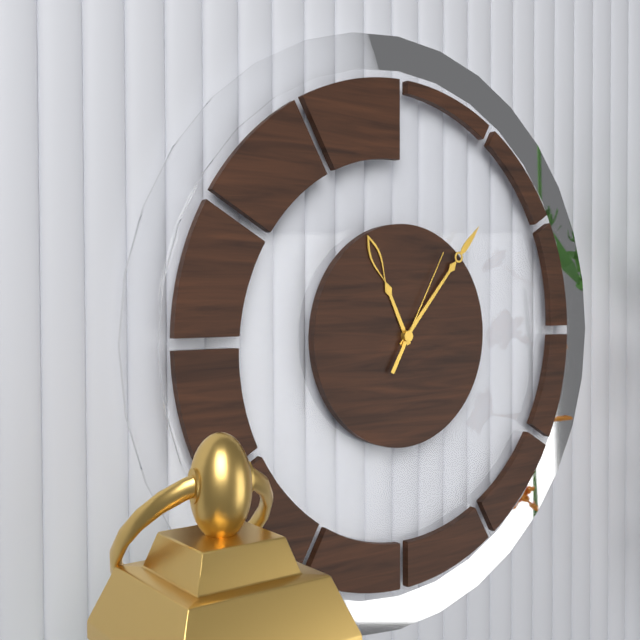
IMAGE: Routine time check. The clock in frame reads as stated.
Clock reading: 11:07:05
